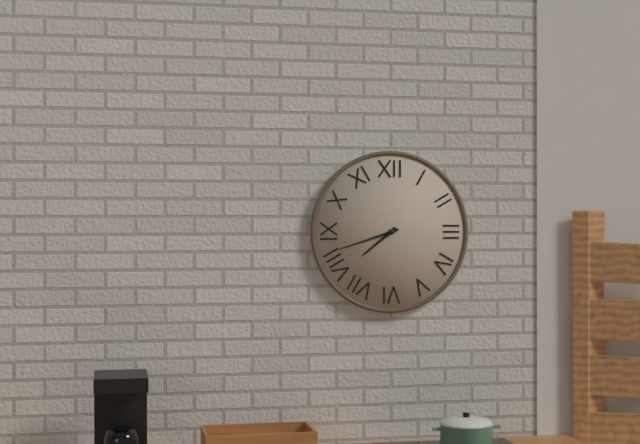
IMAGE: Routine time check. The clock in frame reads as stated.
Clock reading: 7:42
